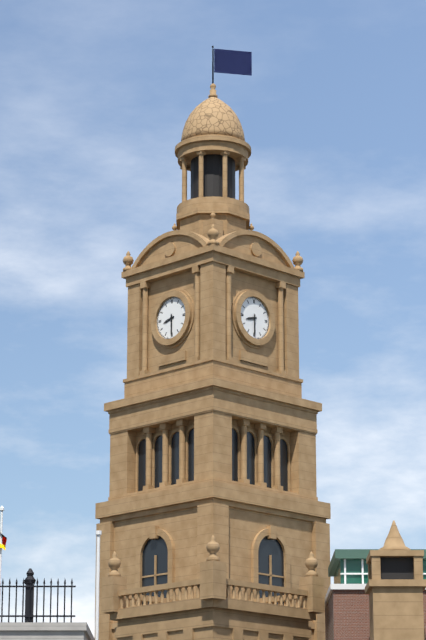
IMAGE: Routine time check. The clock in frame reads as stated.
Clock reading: 8:30
